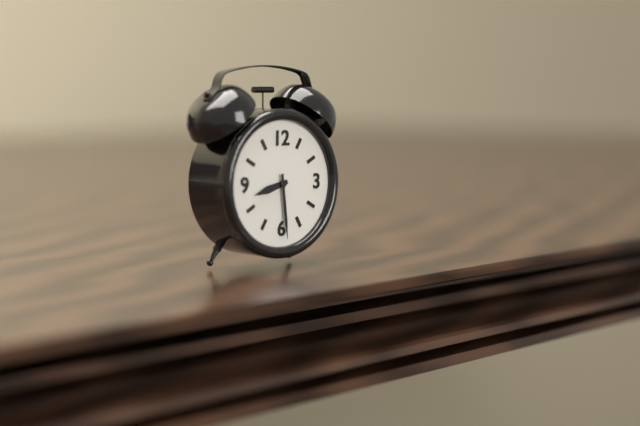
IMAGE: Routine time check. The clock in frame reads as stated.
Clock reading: 8:29
